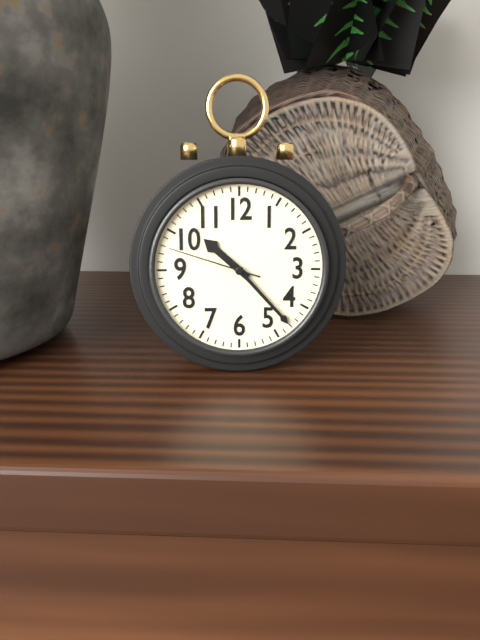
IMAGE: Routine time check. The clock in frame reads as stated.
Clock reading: 10:23:48
